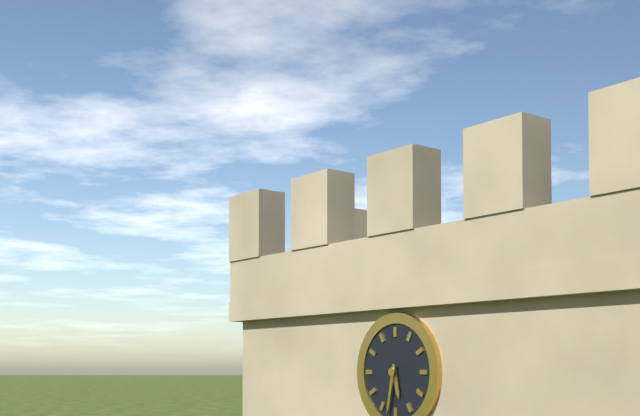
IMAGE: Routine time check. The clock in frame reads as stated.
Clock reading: 5:32
